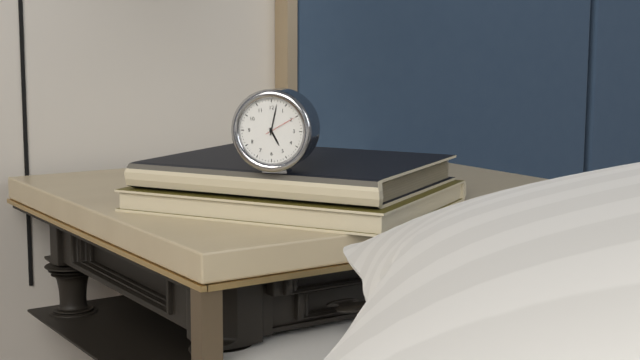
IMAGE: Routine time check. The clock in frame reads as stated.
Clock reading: 5:02
